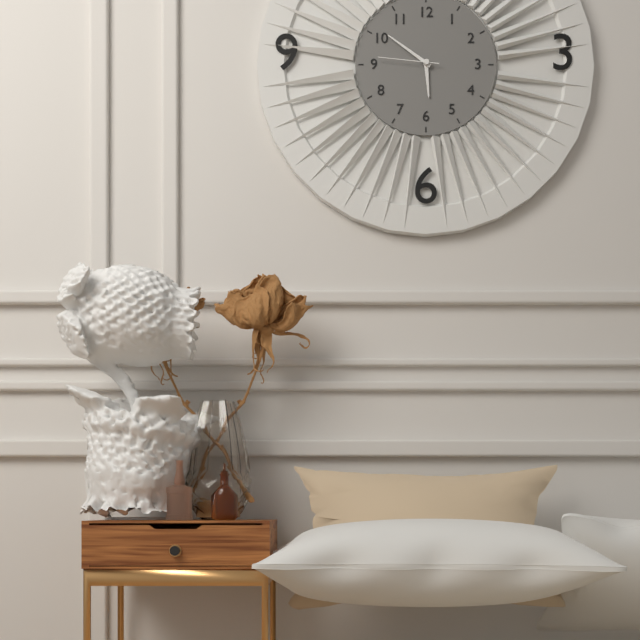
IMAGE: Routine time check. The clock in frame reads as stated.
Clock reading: 5:51:46
